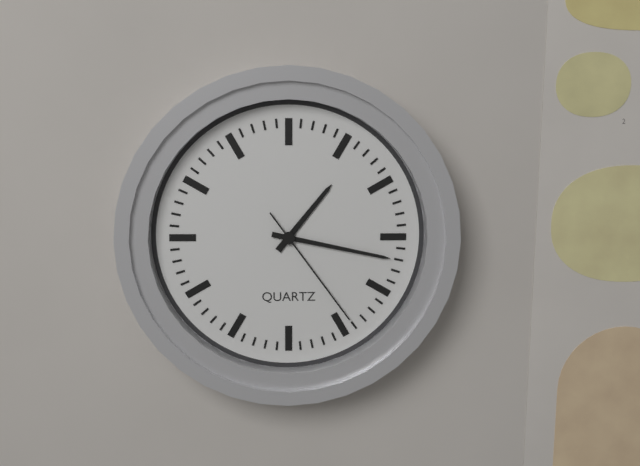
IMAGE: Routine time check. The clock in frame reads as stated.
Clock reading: 1:17:24
